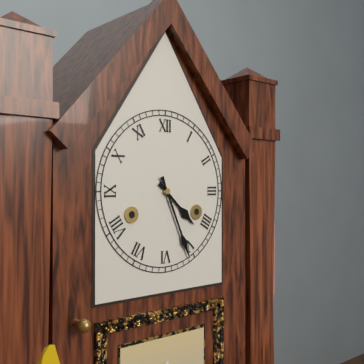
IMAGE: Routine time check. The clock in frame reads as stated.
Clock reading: 4:26
